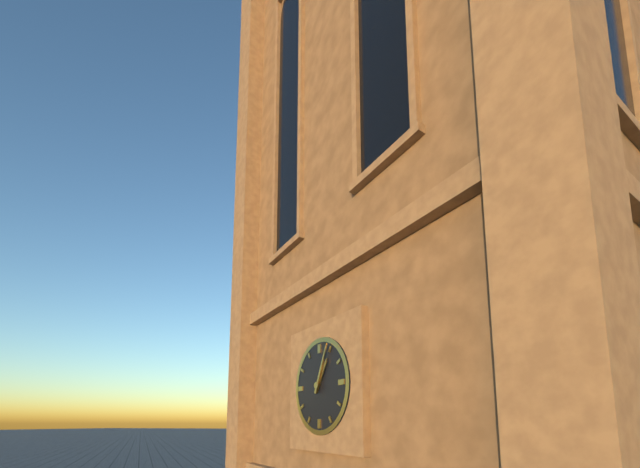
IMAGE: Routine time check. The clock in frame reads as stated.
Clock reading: 1:04
